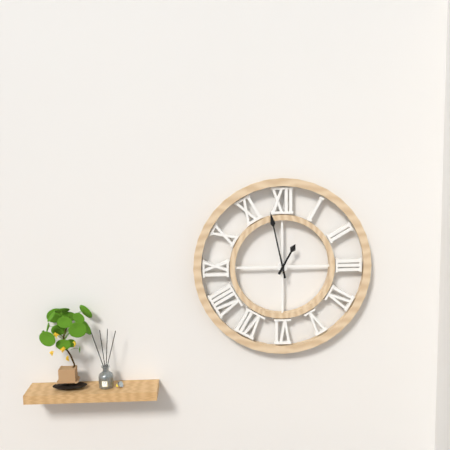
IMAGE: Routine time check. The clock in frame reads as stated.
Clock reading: 12:58
